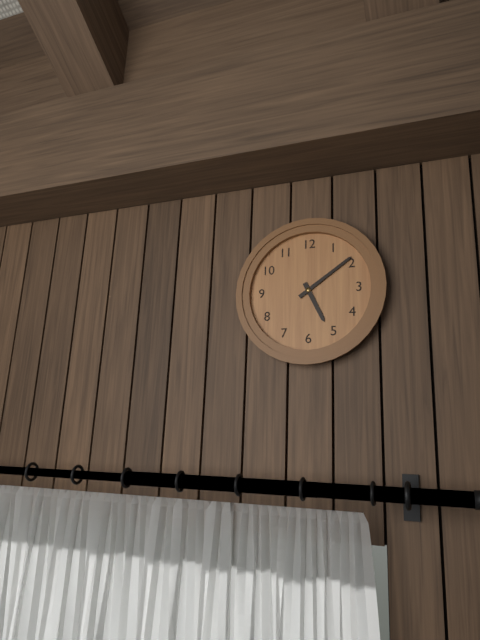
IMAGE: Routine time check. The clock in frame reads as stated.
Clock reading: 5:09
